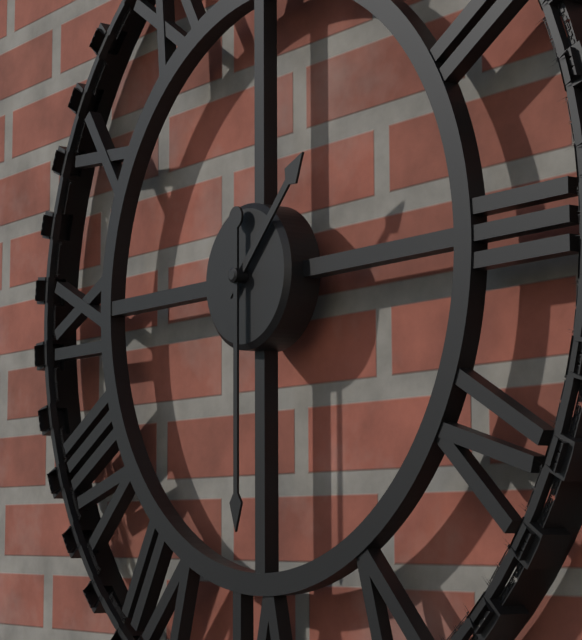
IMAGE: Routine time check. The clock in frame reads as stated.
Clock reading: 1:30
